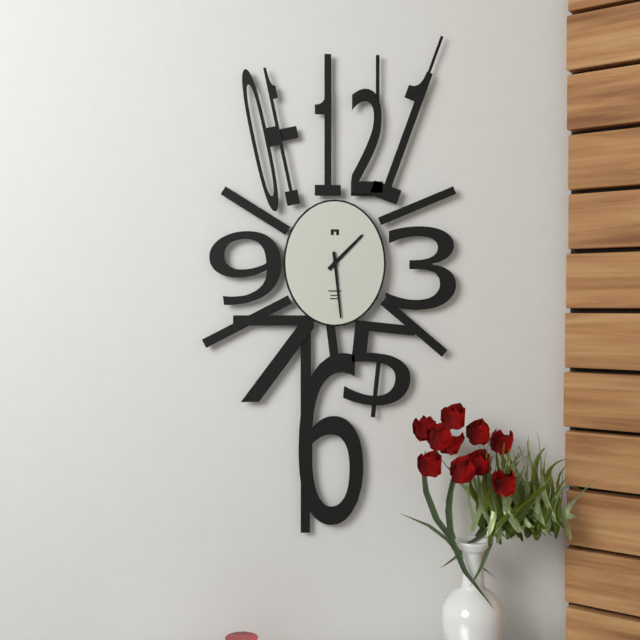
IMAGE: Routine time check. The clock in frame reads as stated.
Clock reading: 1:29
